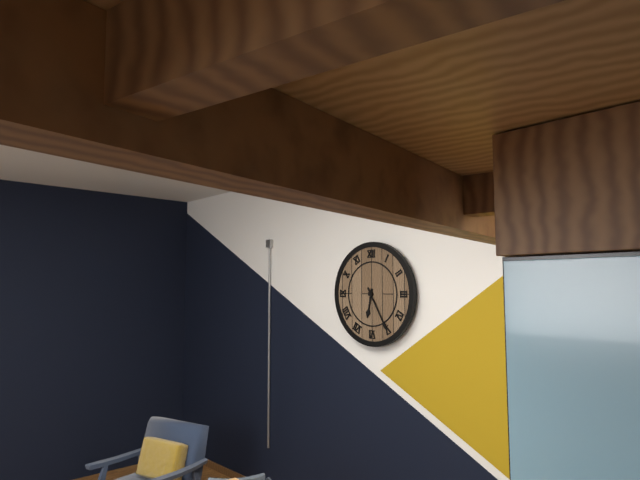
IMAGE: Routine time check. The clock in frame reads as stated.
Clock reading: 6:25
